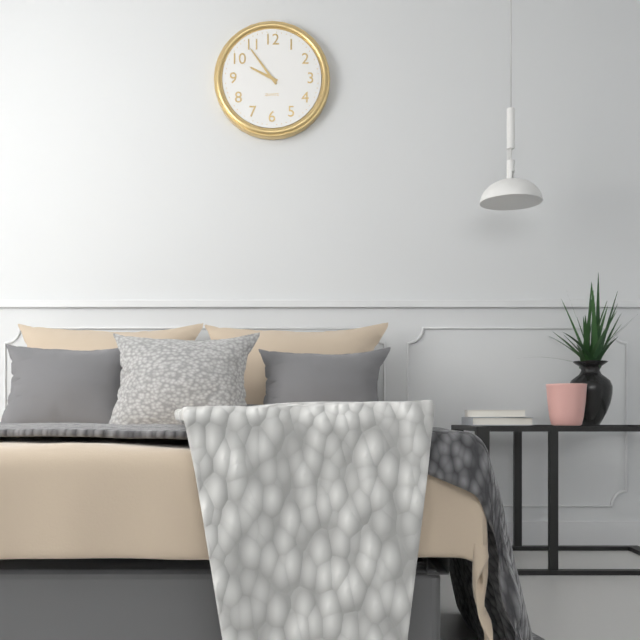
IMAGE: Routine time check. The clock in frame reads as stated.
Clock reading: 9:54
